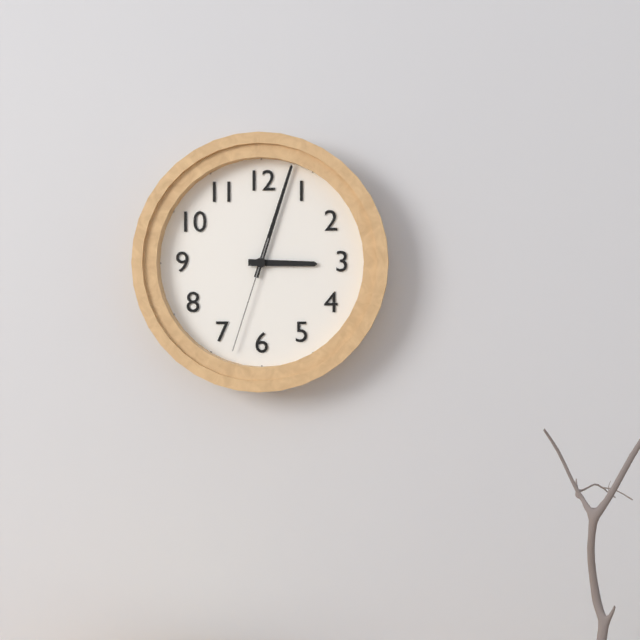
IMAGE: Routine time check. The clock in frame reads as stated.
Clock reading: 3:03:33
